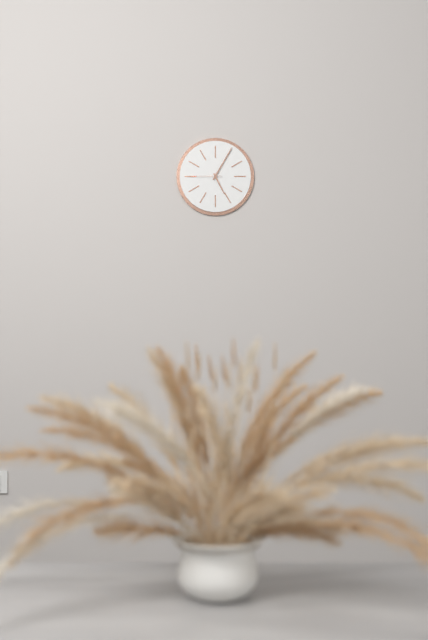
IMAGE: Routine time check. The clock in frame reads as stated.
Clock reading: 5:05
